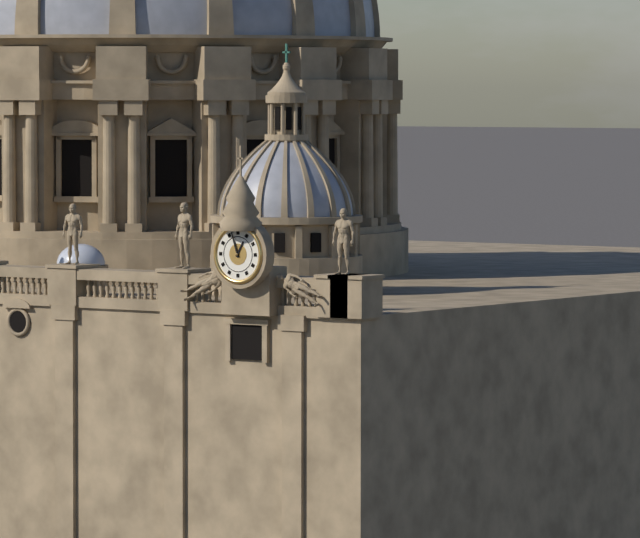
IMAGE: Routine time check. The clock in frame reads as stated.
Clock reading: 12:57
